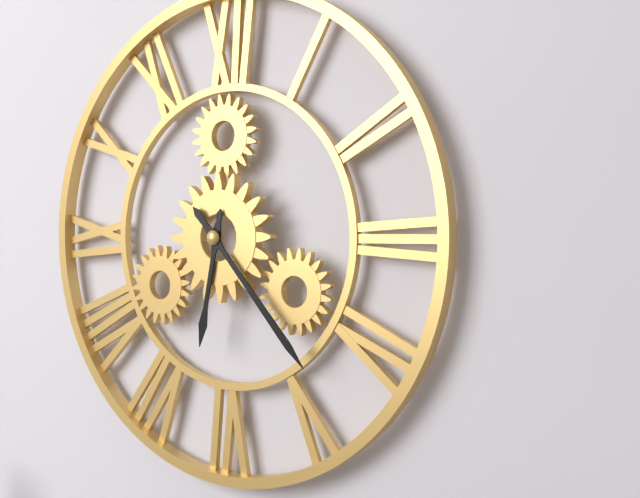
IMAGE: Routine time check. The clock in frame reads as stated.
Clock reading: 6:23
